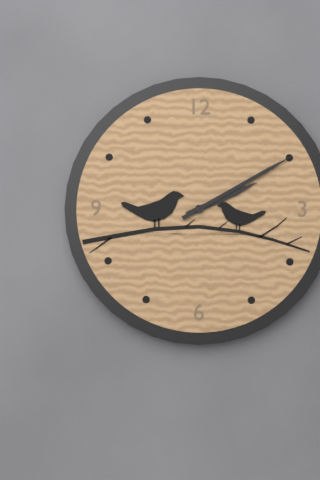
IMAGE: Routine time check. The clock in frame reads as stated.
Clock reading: 2:10
